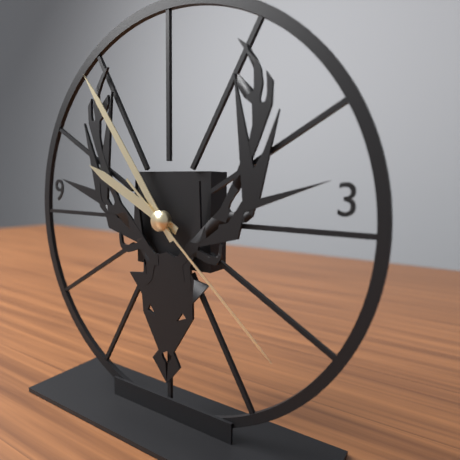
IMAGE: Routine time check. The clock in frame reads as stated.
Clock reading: 9:54:22
